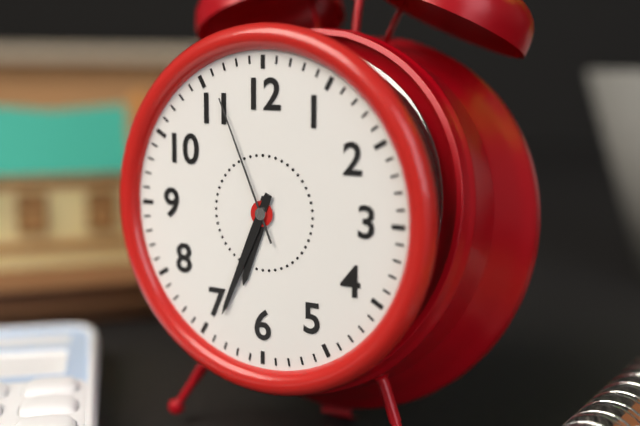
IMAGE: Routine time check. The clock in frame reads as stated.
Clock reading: 6:34:56
